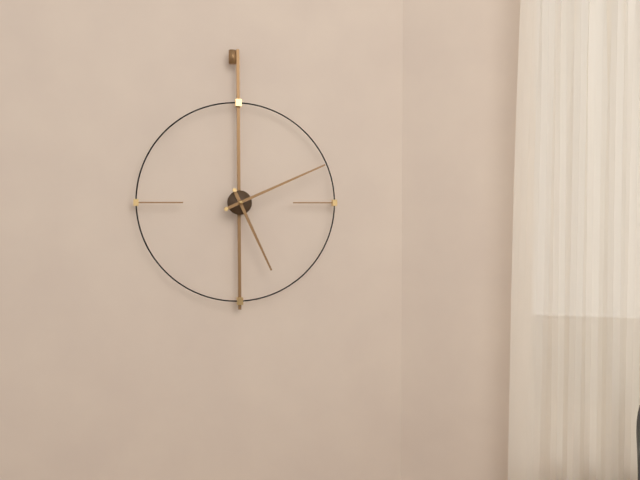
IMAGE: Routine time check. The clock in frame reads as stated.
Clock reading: 5:11
